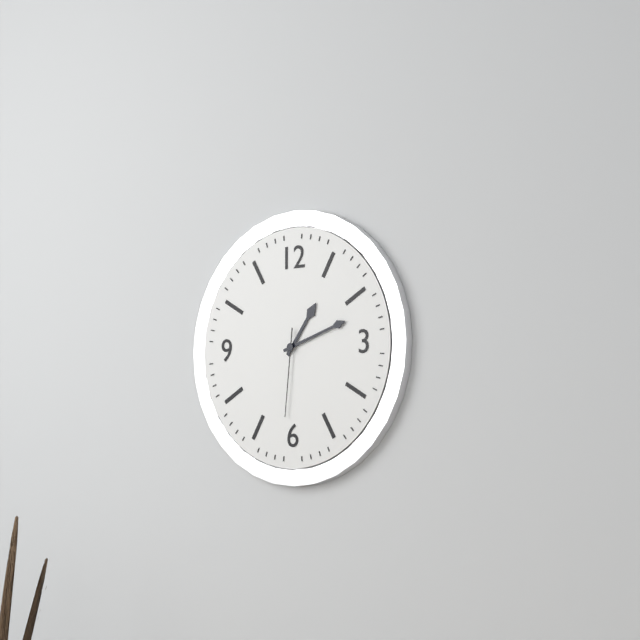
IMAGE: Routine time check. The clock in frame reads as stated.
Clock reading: 1:12:31
